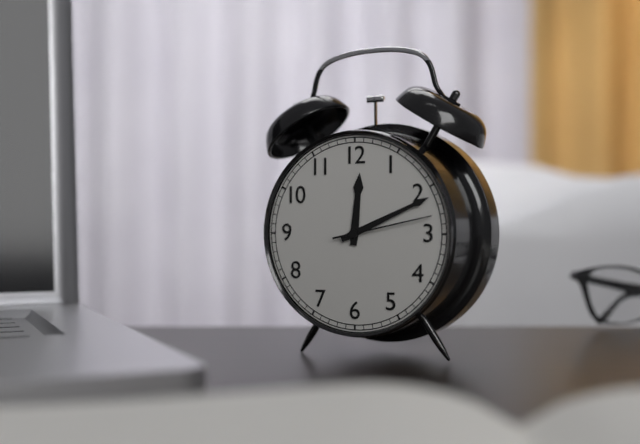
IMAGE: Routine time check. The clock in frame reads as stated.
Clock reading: 12:11:13
